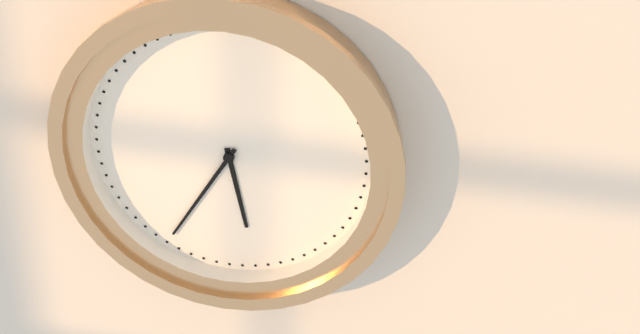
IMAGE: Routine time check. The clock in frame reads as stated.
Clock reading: 5:35
